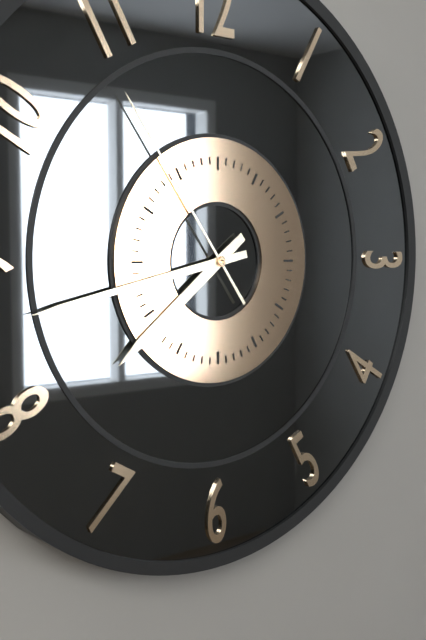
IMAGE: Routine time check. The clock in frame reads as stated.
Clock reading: 7:43:54
